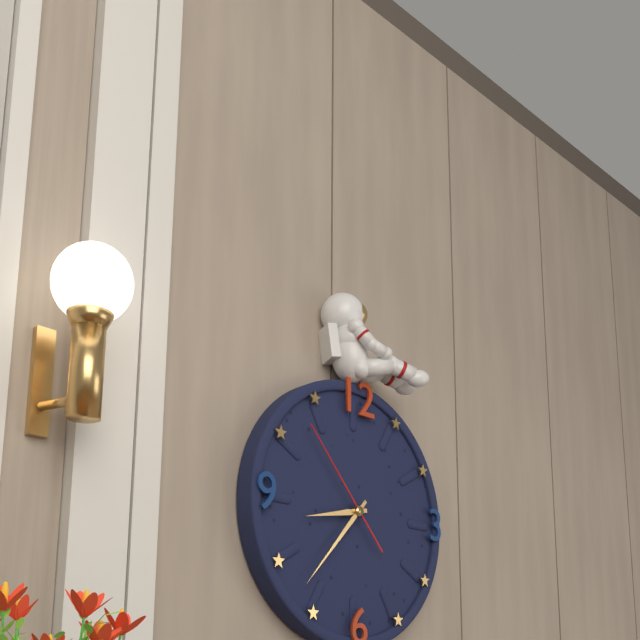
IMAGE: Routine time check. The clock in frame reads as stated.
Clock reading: 8:37:53
